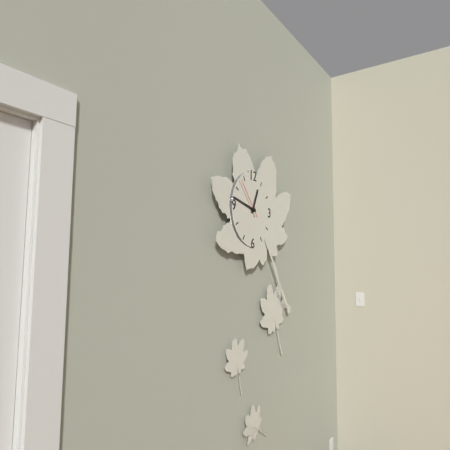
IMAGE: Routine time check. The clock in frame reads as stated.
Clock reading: 12:47
